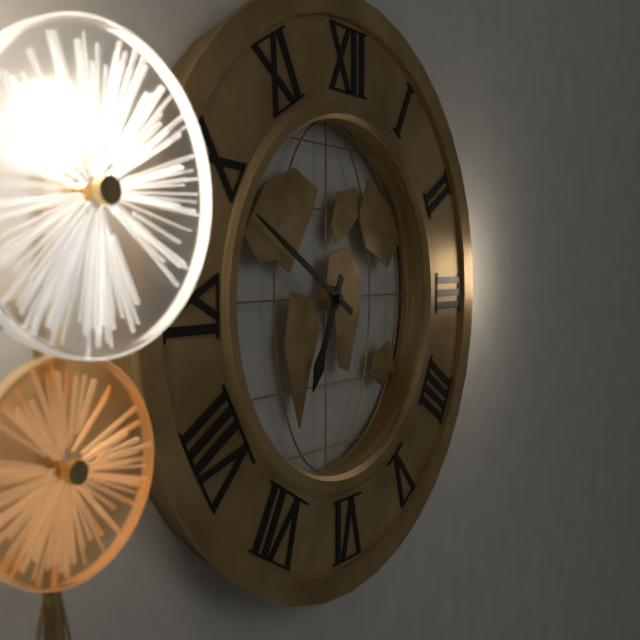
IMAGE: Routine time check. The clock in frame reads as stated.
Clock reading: 6:50
